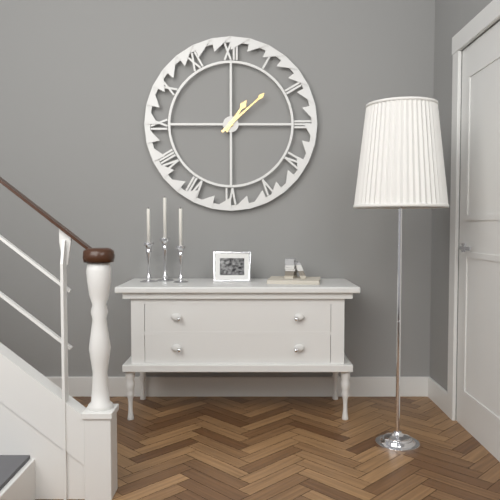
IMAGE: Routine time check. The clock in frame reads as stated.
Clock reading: 1:08
